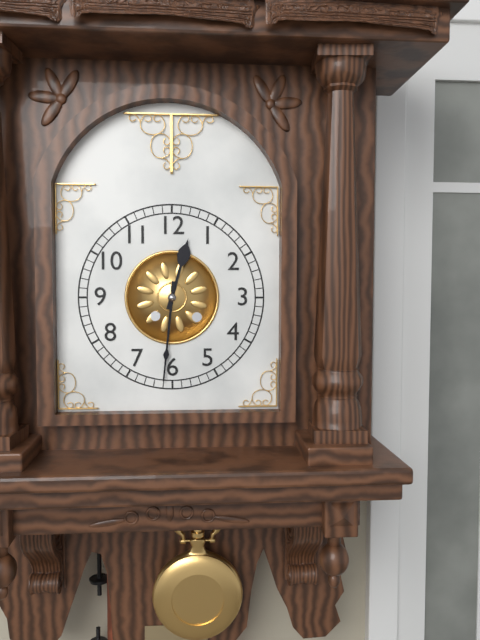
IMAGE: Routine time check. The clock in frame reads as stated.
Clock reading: 12:31
